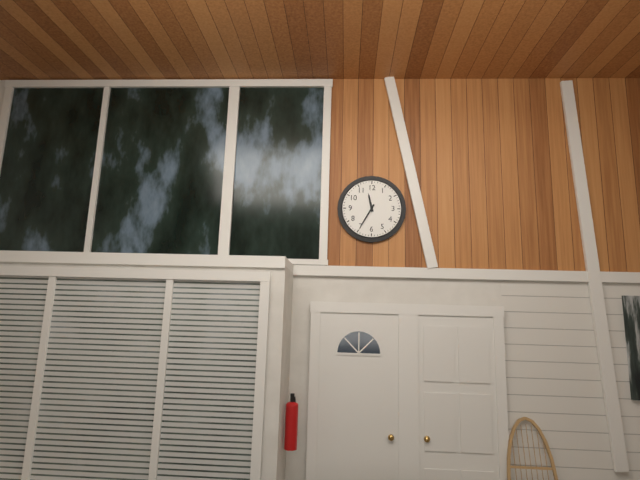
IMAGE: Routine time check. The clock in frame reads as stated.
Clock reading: 11:35
